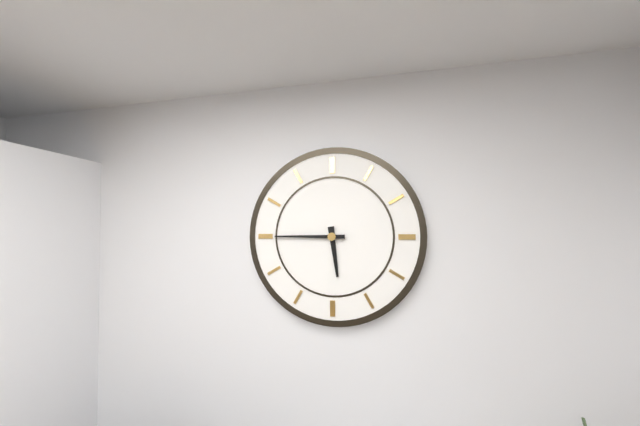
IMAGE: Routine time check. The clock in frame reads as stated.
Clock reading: 5:45
